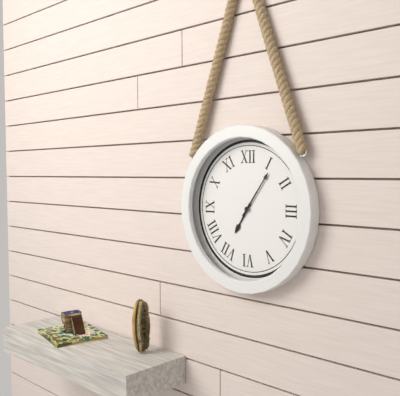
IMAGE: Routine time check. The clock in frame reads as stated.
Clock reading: 7:06
